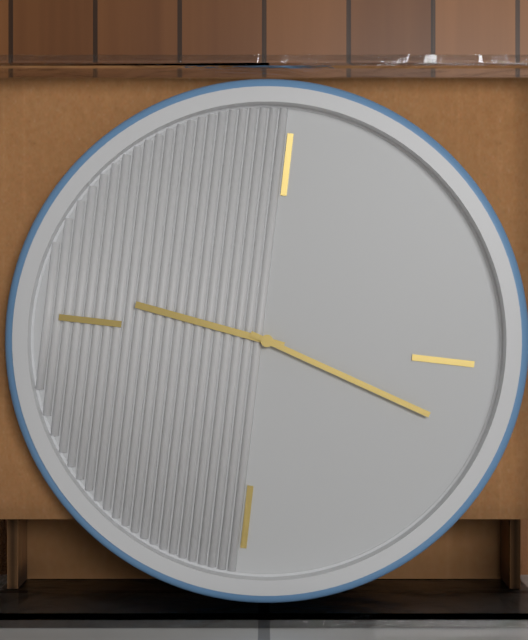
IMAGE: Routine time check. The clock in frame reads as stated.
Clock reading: 9:18
